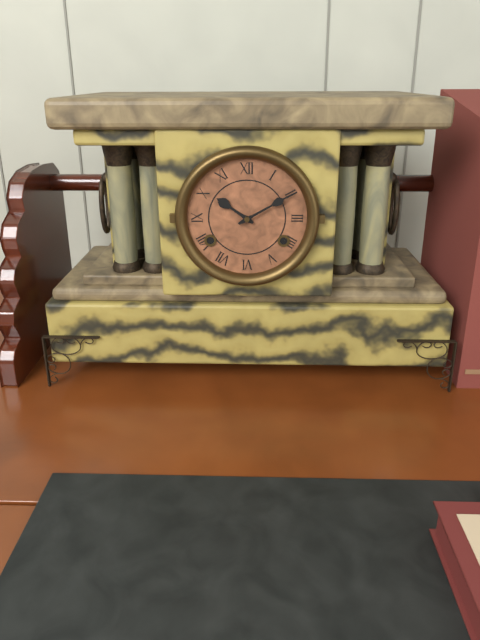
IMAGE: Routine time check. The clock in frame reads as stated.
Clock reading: 10:10
